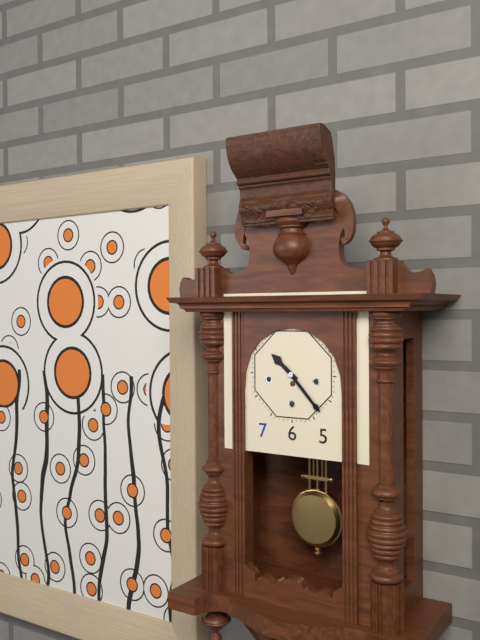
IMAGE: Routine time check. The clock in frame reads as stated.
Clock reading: 10:23
